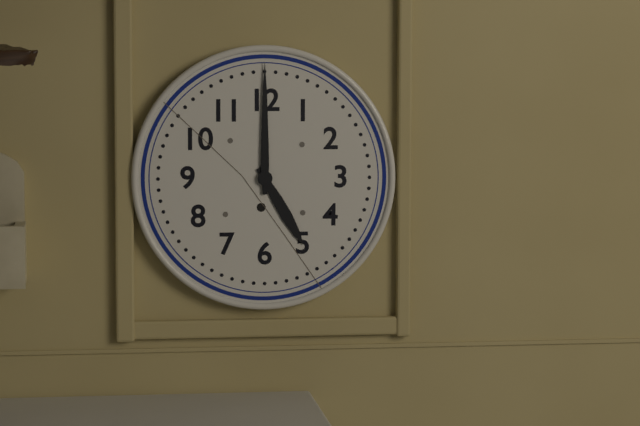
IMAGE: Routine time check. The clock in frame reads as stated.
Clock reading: 5:00
